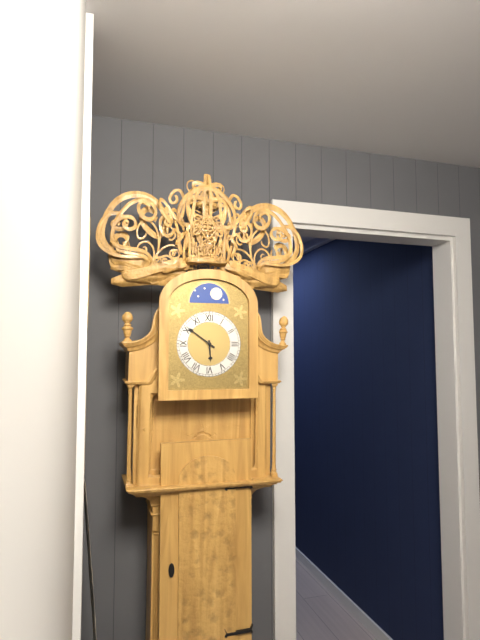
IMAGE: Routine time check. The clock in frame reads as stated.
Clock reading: 5:51
